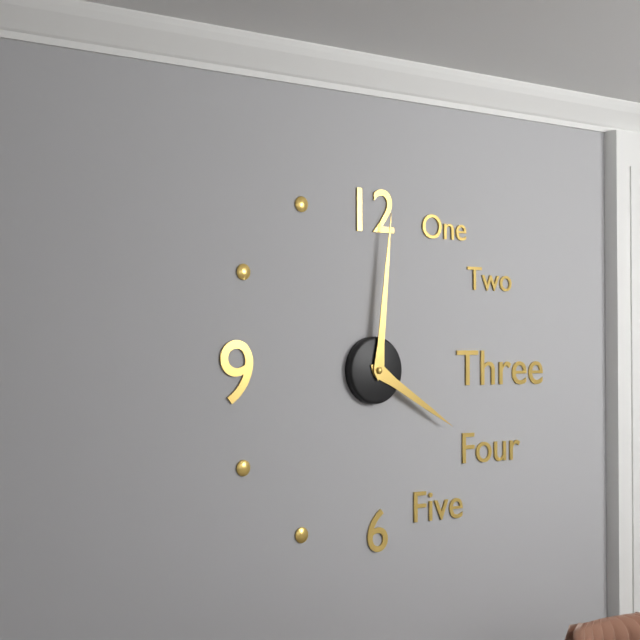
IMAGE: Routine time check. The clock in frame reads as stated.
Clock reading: 4:01
